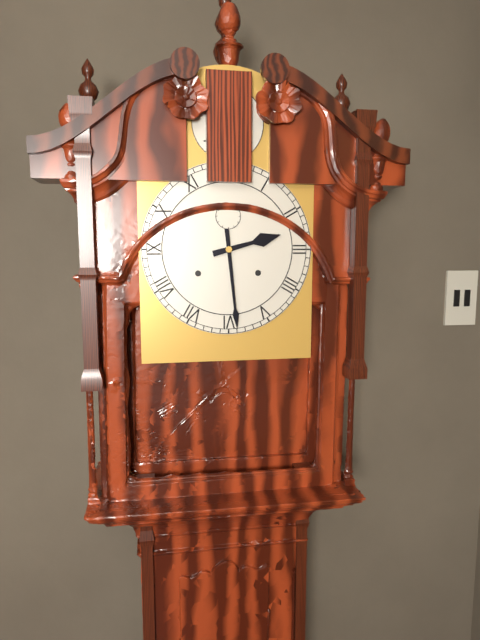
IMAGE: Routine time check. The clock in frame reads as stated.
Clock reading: 2:29
